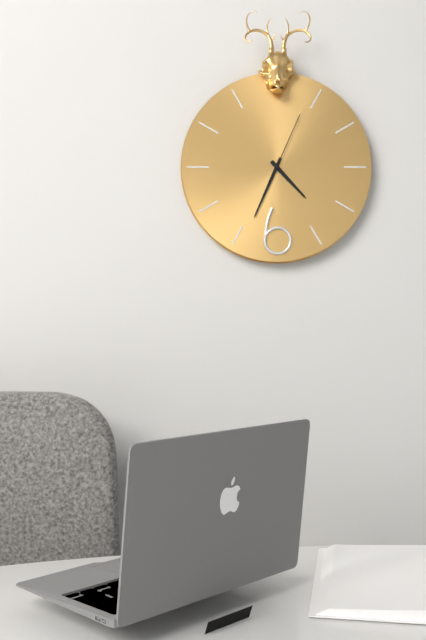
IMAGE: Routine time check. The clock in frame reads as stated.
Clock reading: 4:34:04
